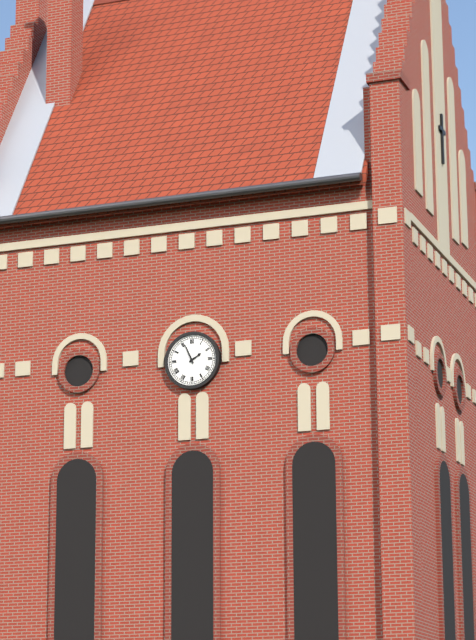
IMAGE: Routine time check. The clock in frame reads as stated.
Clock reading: 1:56
